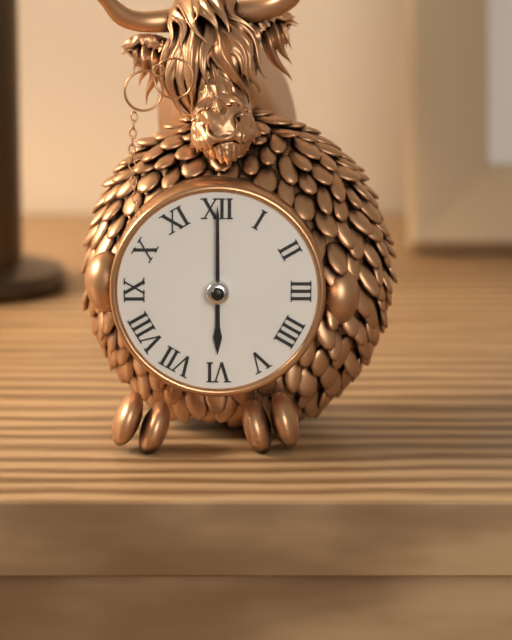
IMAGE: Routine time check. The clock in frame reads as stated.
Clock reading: 6:00
